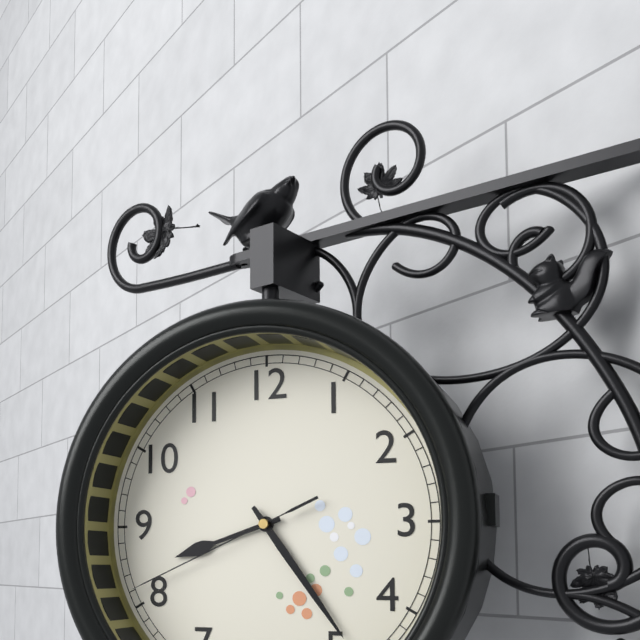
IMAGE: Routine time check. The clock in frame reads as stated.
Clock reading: 8:24:41
